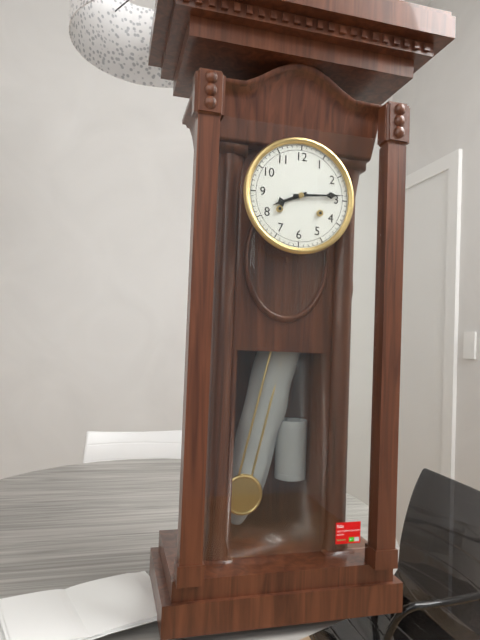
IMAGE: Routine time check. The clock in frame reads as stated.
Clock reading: 8:14
